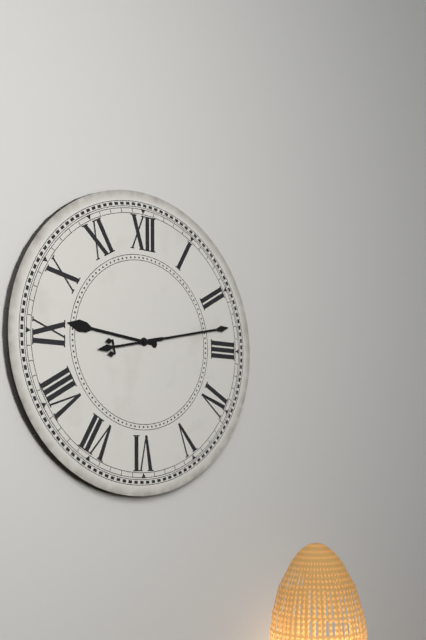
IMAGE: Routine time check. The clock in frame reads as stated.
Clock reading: 9:13
